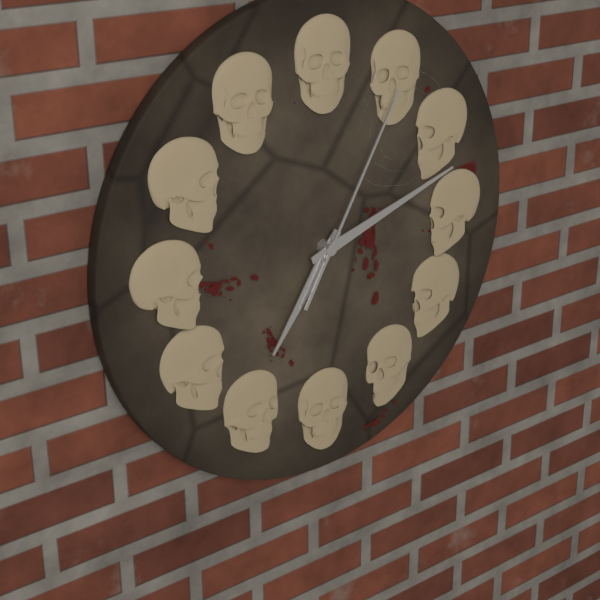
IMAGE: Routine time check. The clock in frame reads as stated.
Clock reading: 7:12:05
